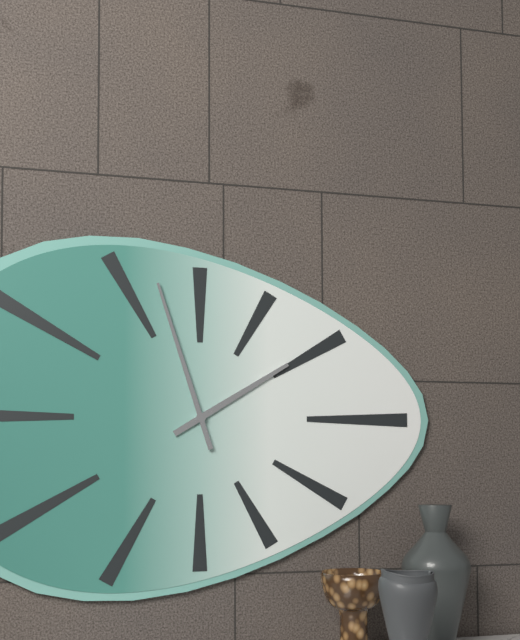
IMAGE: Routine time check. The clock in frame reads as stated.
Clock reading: 1:57
